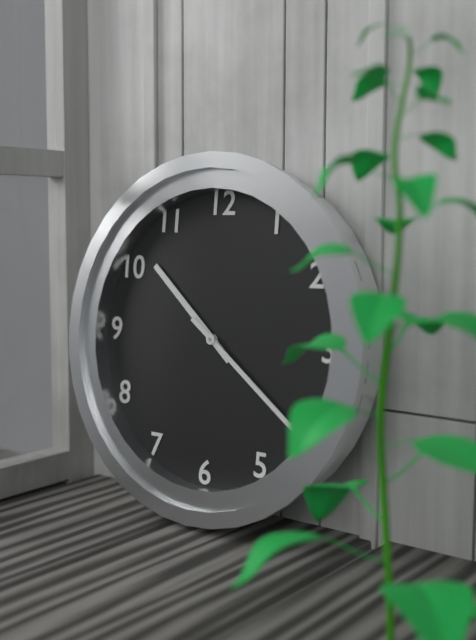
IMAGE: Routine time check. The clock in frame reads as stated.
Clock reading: 10:21
